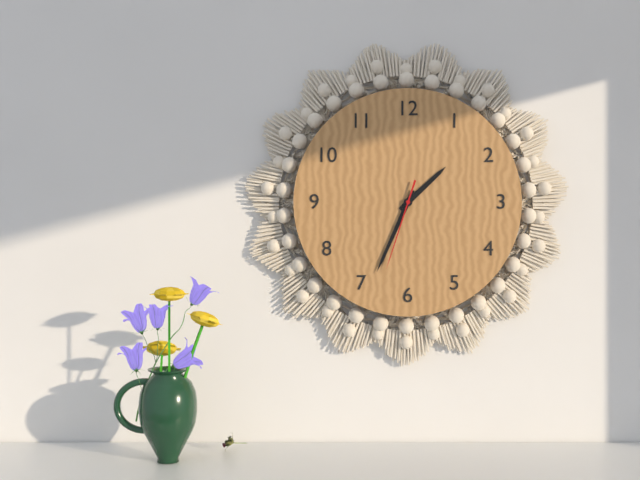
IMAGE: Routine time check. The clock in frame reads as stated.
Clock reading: 1:34:33
